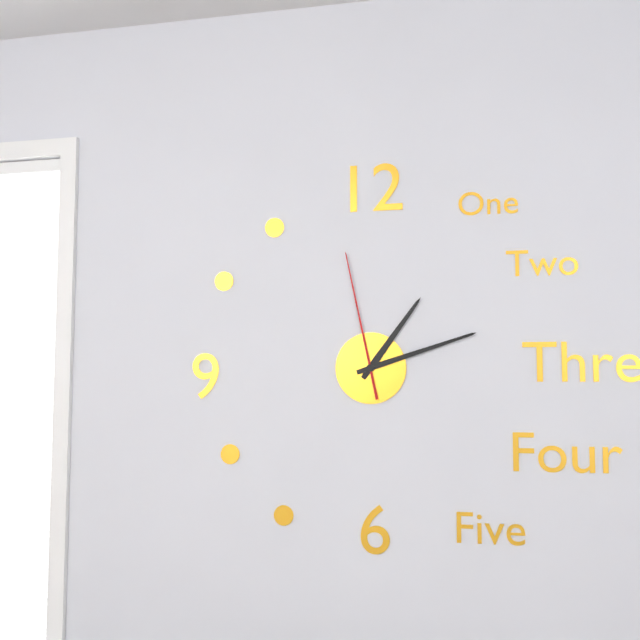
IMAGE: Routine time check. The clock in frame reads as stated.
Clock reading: 1:12:58
